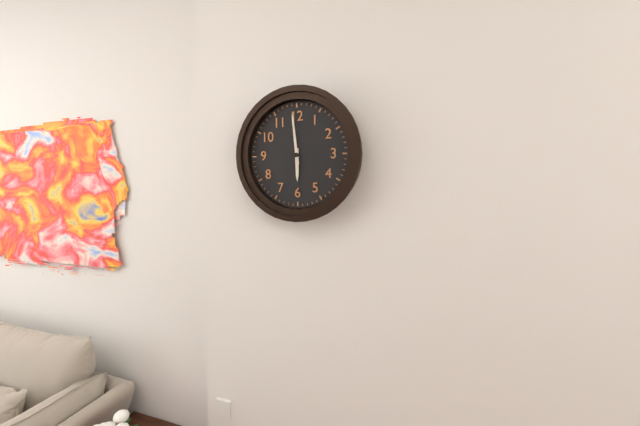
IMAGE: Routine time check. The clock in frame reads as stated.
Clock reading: 5:59
